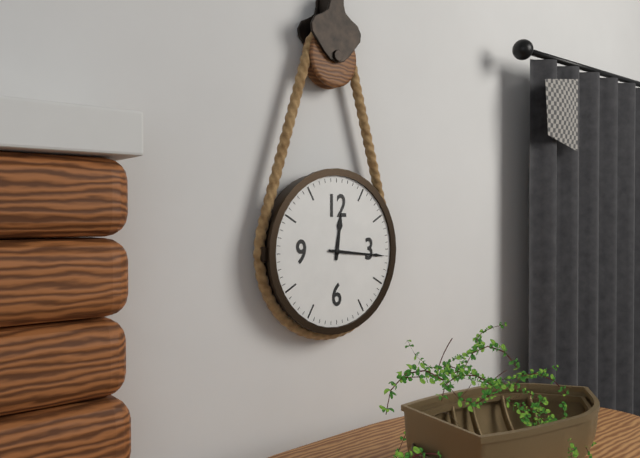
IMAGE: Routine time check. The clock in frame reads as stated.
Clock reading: 12:16
